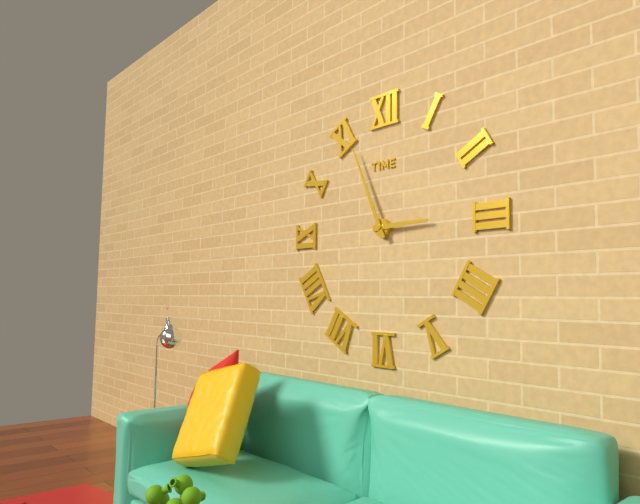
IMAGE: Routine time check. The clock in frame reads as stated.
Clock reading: 2:56
